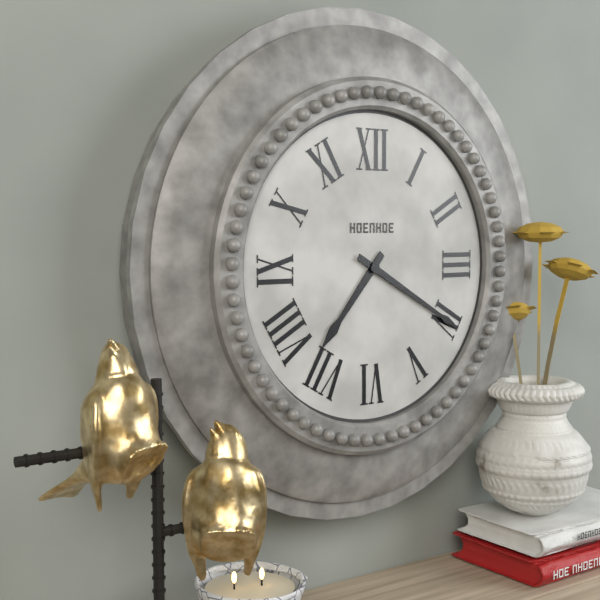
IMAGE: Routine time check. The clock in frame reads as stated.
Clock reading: 7:20
